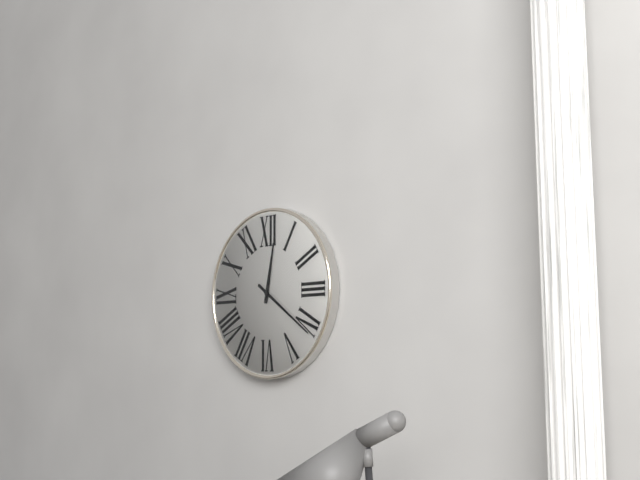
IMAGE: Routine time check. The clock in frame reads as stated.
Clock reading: 12:21
